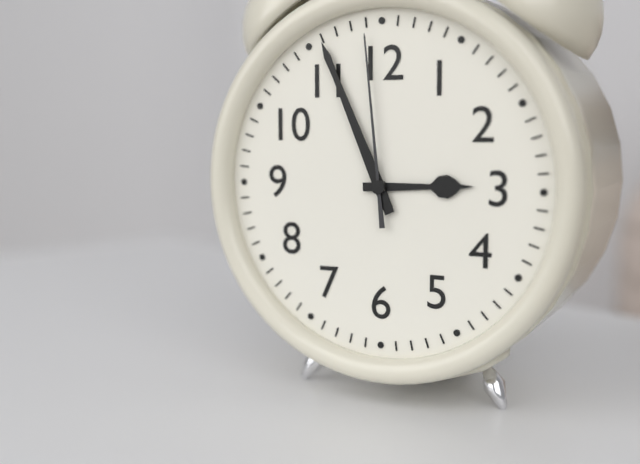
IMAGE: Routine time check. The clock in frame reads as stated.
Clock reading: 2:56:59
